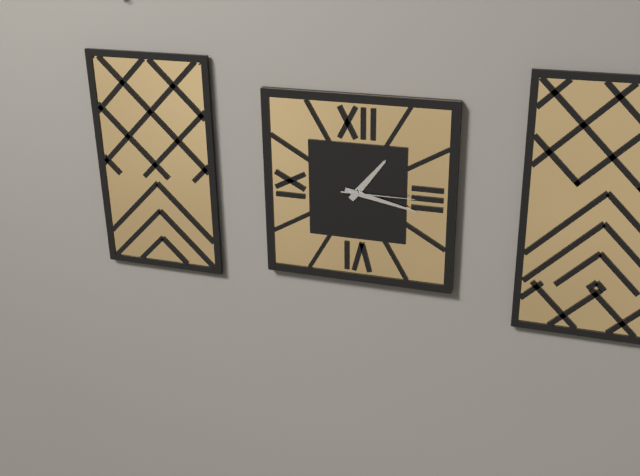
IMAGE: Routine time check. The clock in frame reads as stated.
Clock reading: 1:17:15
